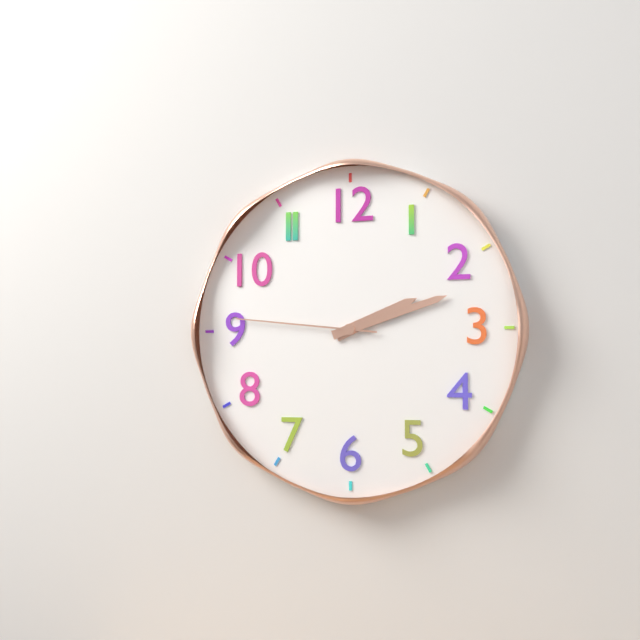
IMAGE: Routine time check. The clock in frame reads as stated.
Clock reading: 2:12:46
